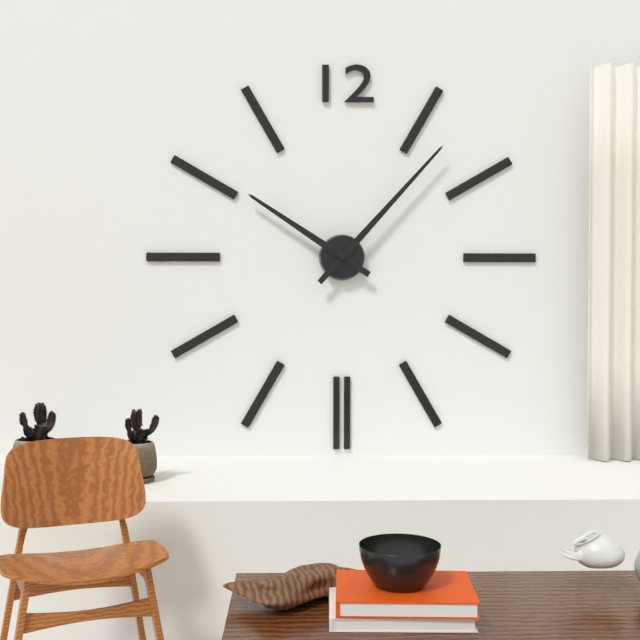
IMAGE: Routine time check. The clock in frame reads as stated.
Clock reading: 10:07
